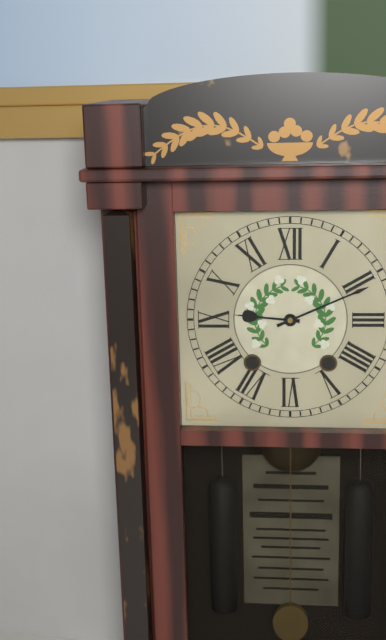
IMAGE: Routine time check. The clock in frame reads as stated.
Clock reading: 9:11
